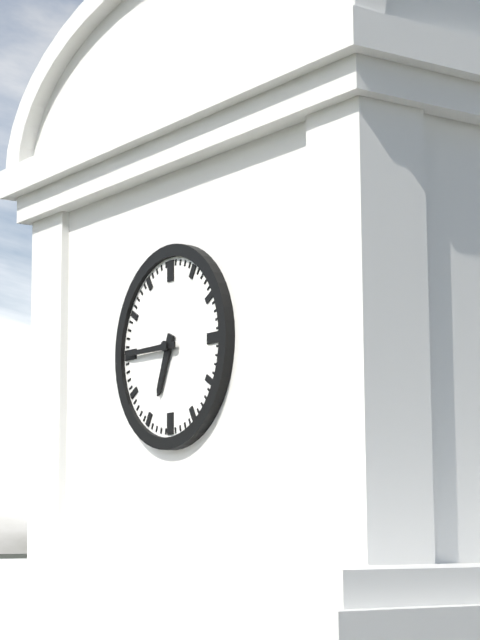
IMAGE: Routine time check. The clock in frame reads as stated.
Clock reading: 6:45
